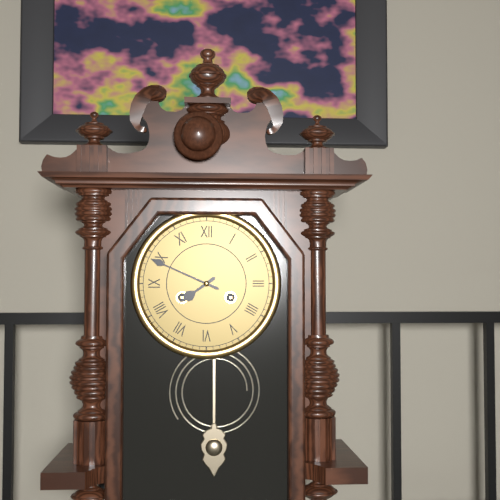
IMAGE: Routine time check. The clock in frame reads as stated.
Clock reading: 7:49
